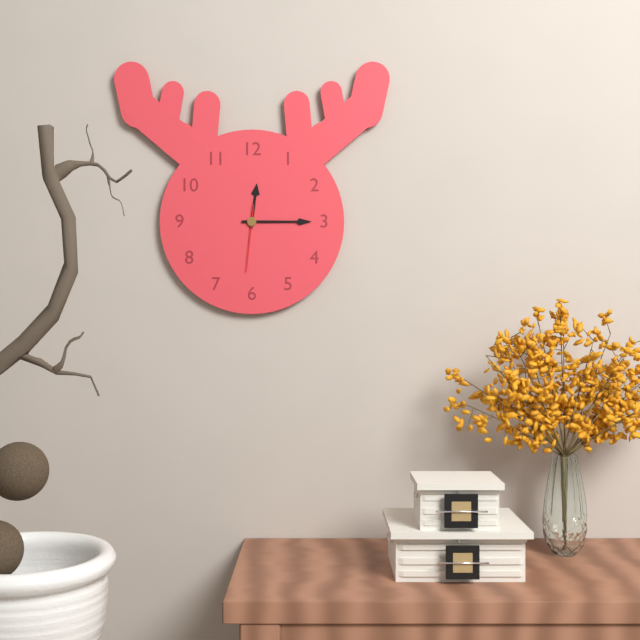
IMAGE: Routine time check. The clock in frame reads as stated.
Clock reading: 12:15:31
